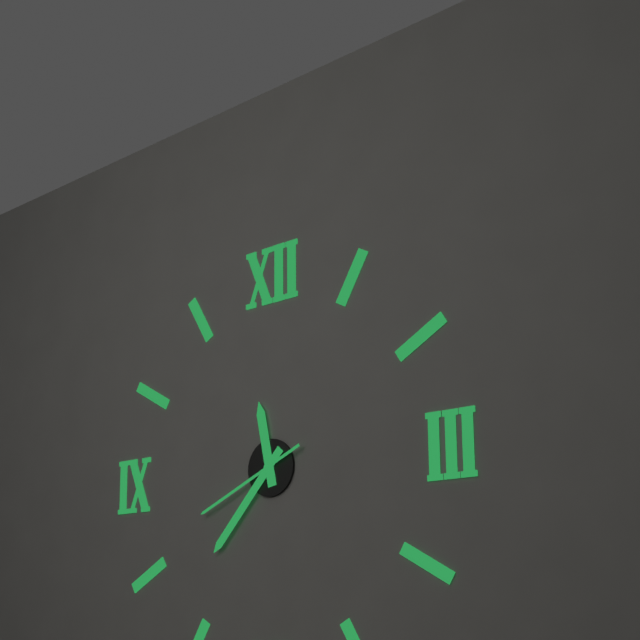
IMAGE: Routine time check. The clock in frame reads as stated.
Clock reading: 11:37:41
